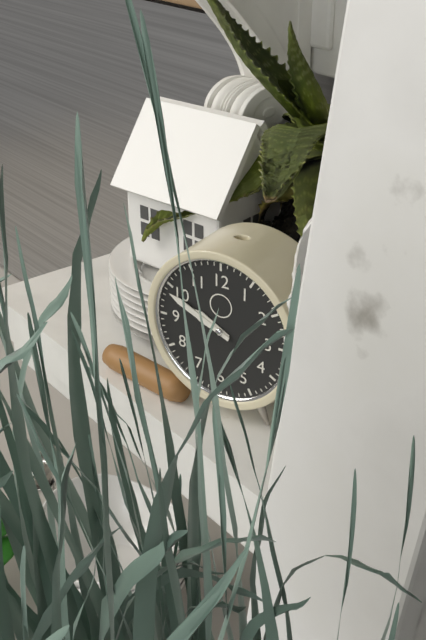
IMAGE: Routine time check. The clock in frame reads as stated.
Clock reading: 9:49
